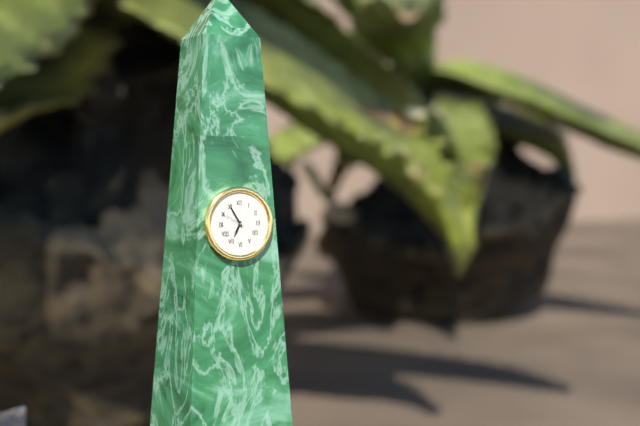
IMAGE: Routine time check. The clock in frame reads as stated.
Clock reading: 6:55
